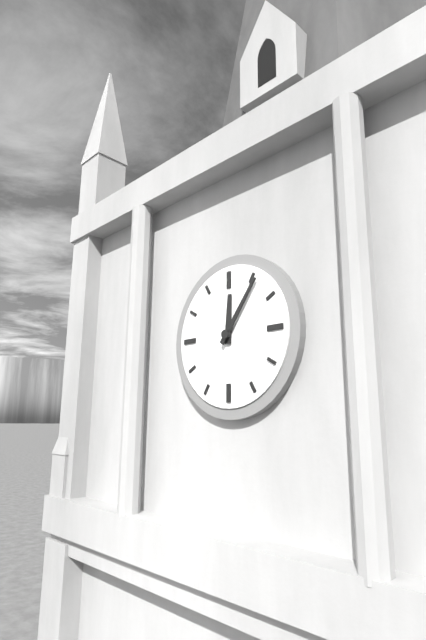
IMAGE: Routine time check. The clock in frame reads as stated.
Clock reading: 12:06
